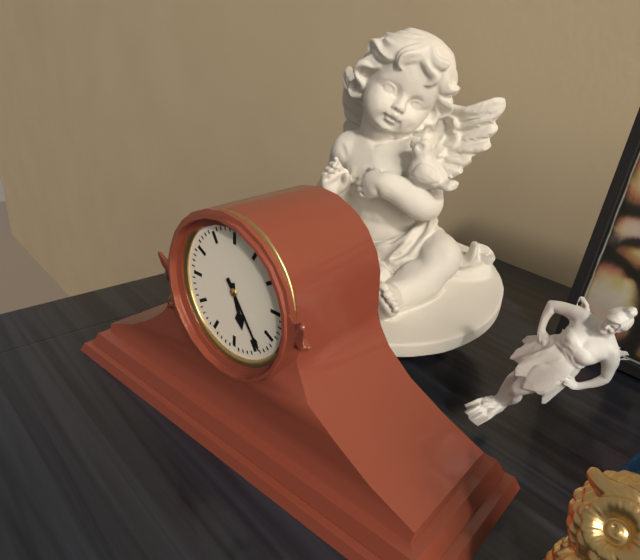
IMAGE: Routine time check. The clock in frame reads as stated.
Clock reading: 5:24
